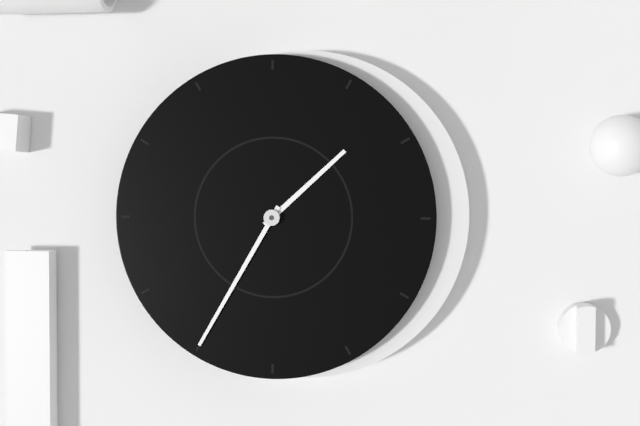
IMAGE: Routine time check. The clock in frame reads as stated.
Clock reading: 1:35
